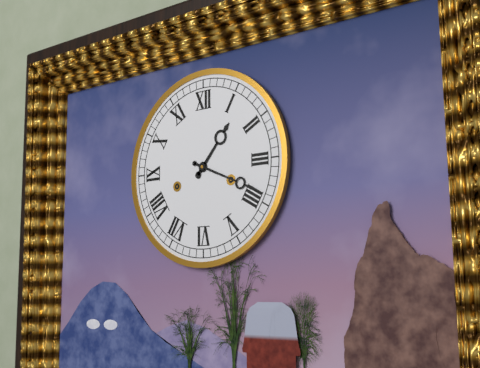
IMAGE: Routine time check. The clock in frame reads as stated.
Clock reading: 1:19
